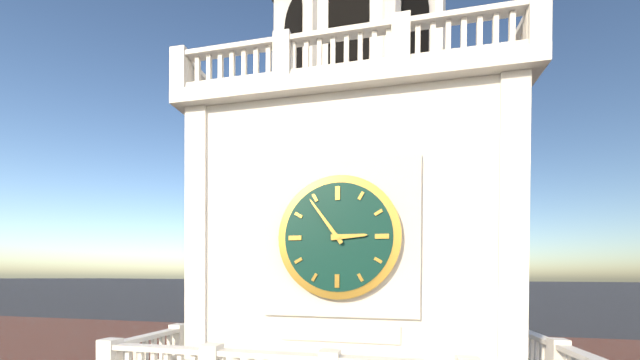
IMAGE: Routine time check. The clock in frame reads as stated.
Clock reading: 2:54
